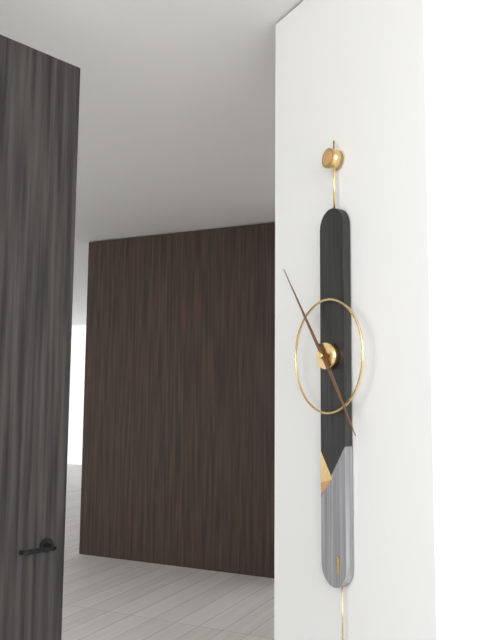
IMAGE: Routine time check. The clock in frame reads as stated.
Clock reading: 4:54
